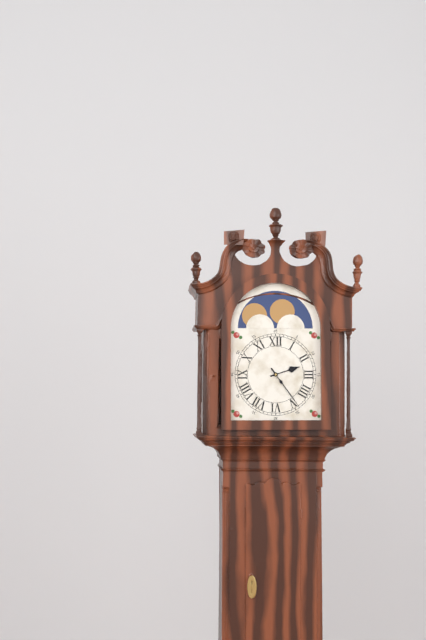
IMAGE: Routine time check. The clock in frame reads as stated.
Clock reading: 2:24
